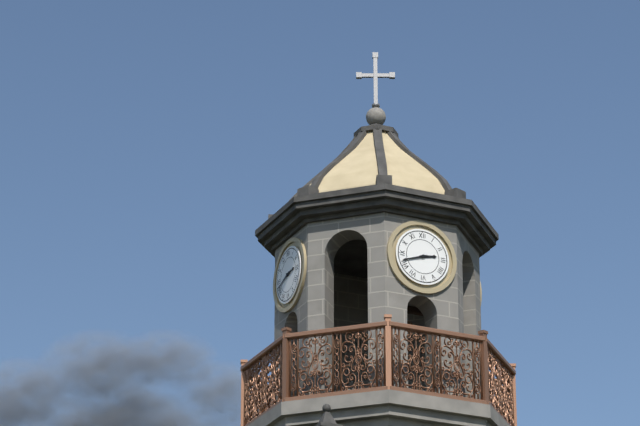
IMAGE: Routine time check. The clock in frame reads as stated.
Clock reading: 2:42
